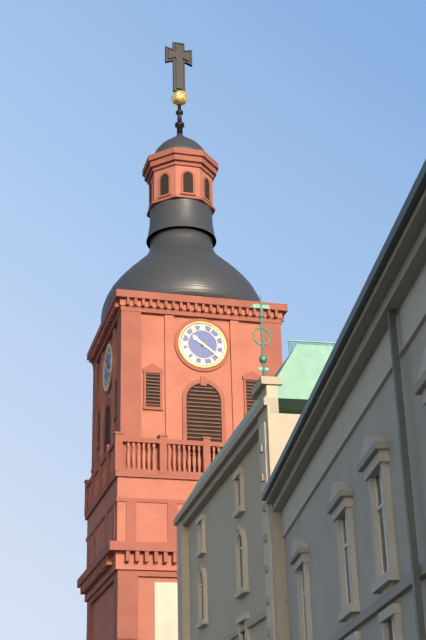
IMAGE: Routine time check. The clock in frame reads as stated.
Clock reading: 10:21
